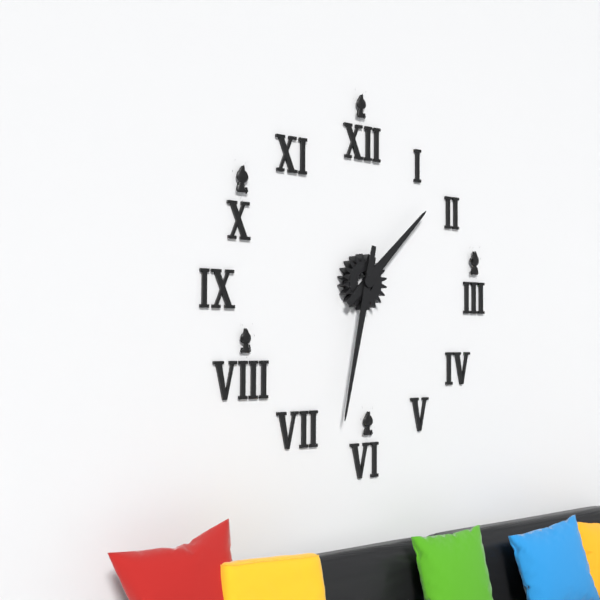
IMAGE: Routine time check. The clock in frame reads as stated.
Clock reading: 1:32
